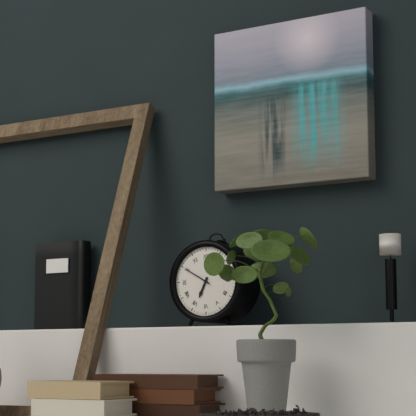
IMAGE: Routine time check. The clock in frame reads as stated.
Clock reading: 6:50
